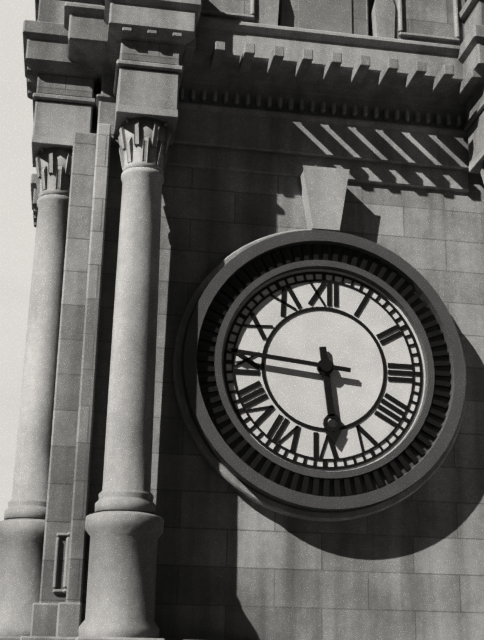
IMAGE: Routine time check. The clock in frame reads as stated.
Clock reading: 5:46
